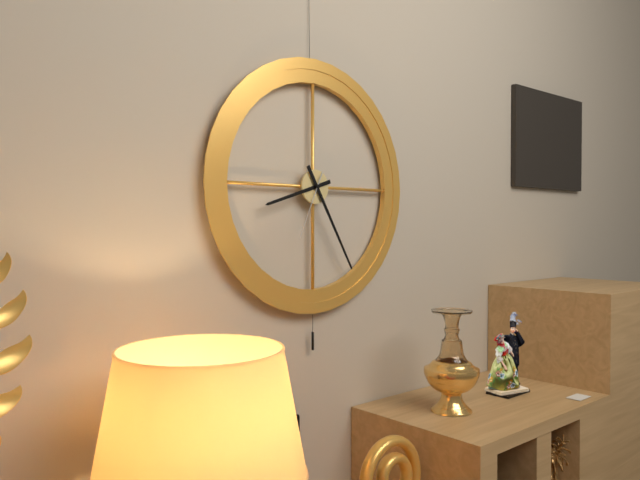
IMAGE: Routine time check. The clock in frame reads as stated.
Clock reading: 8:25:34
